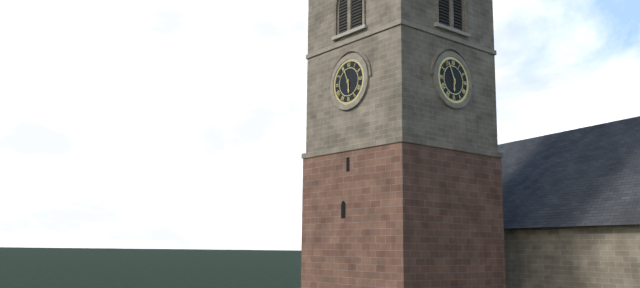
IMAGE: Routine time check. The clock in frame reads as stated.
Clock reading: 5:56
